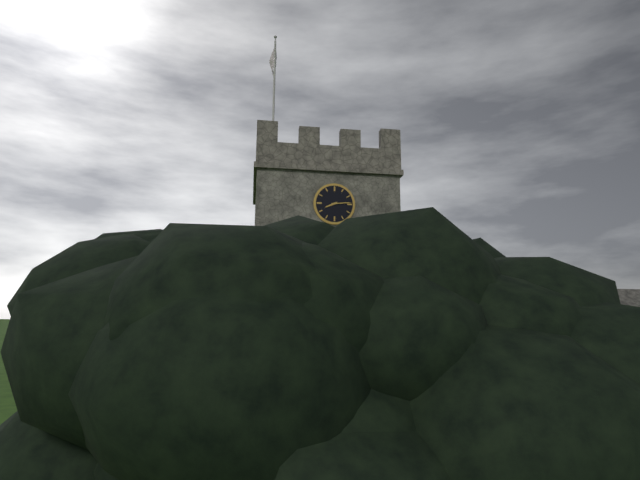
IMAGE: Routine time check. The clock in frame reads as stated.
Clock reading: 8:14
